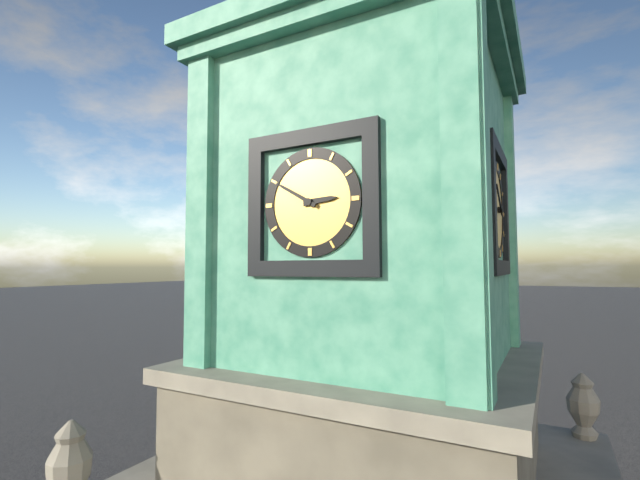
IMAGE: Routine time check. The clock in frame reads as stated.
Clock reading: 2:50
